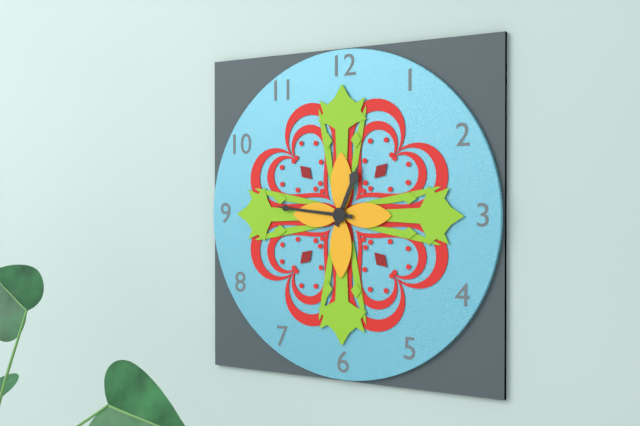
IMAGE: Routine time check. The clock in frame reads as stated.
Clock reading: 12:46
